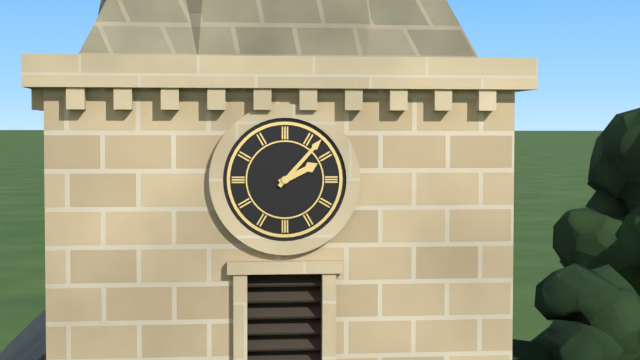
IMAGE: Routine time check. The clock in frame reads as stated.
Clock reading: 2:07
